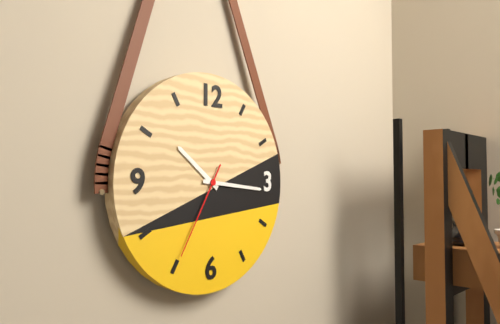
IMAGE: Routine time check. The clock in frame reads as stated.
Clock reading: 10:16:35
